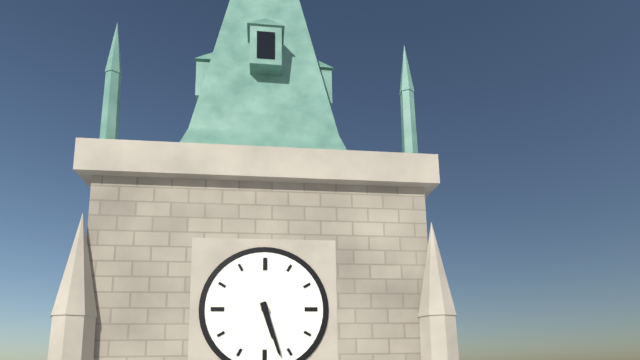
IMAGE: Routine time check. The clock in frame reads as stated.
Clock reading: 5:27
